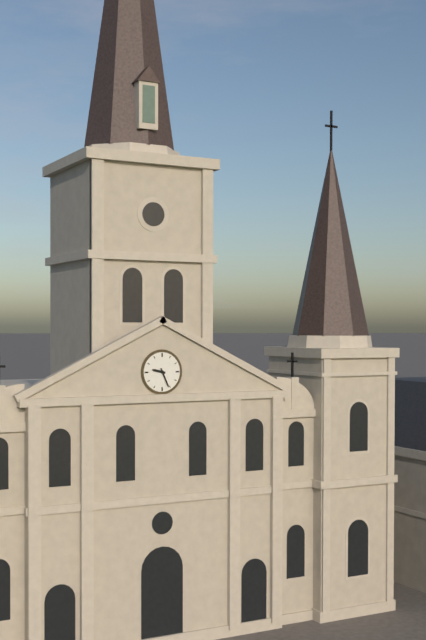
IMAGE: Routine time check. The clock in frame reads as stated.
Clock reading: 9:26
